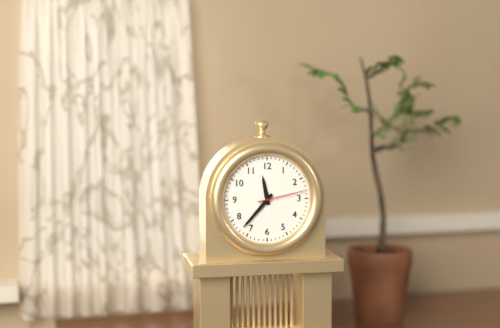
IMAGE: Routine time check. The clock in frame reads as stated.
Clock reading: 11:37
